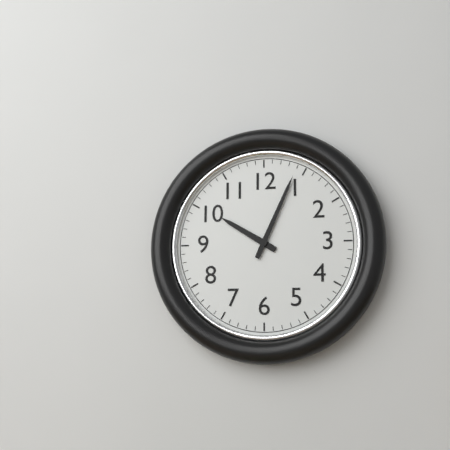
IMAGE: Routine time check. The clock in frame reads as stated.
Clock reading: 10:04
